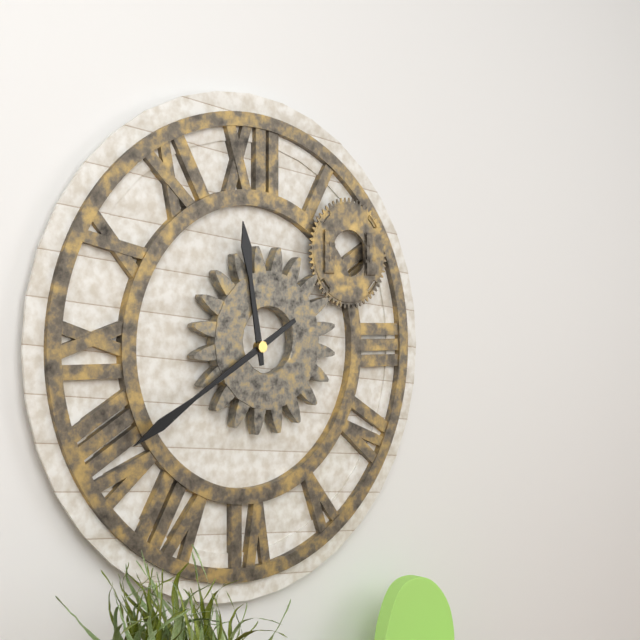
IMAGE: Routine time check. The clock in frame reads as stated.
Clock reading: 11:40
